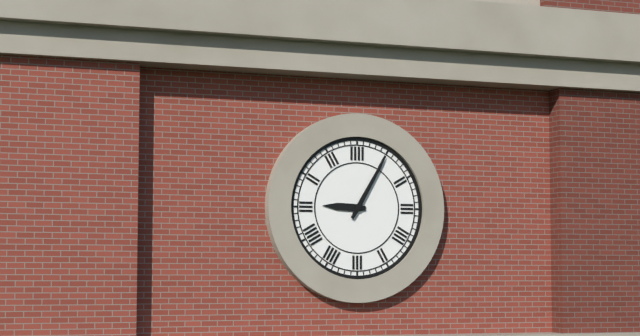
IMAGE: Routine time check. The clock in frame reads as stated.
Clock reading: 9:05
